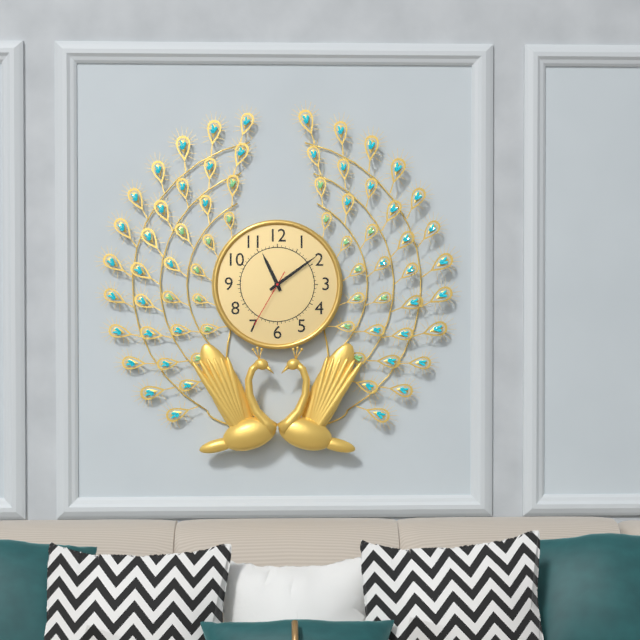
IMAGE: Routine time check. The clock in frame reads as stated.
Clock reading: 11:09:35
